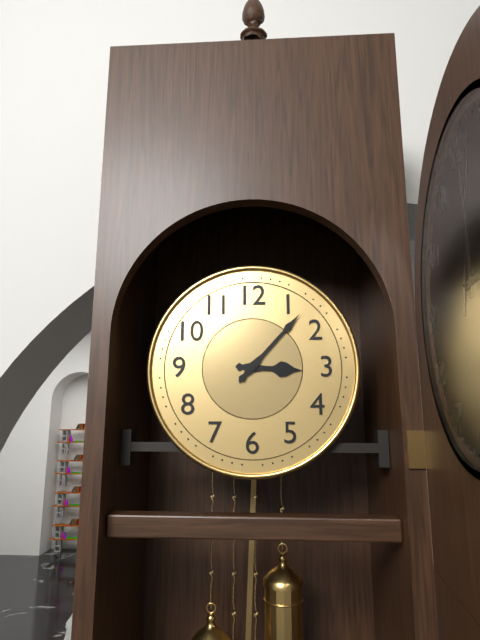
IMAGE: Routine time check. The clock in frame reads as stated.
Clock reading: 3:07
